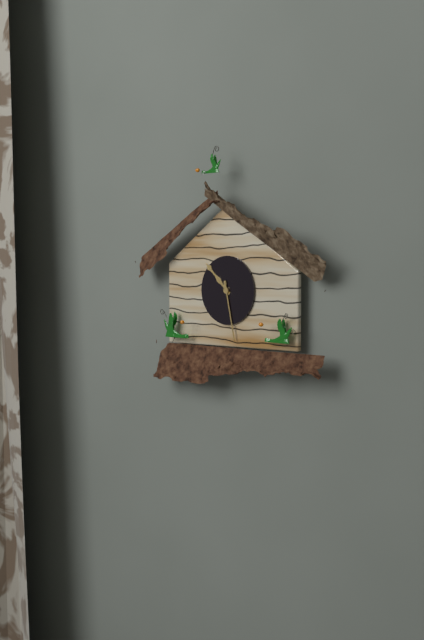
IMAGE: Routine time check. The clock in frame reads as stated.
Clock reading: 10:28
